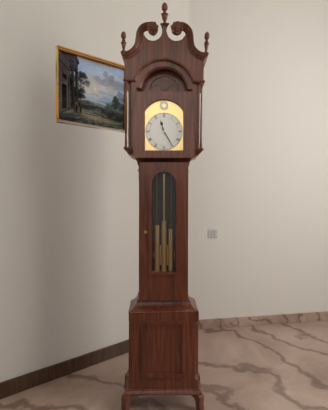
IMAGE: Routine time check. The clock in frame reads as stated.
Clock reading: 11:25
